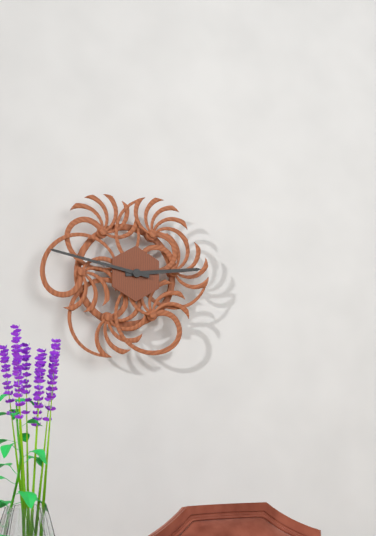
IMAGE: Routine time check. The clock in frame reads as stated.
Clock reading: 2:47
